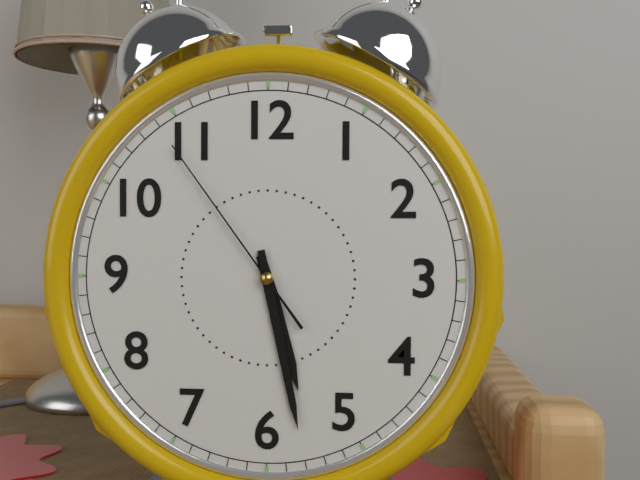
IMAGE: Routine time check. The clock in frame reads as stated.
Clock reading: 5:28:54
